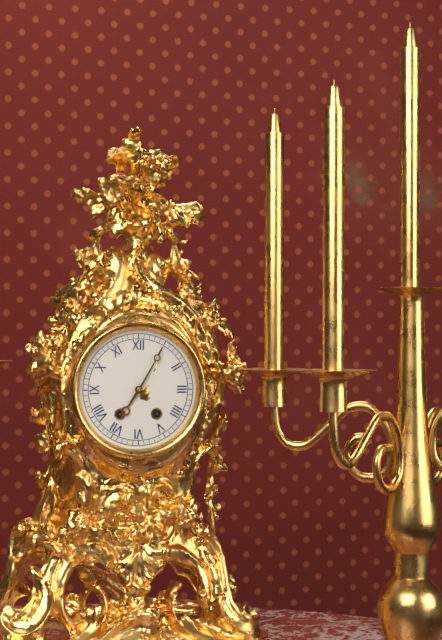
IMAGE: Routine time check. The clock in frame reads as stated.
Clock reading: 7:05
